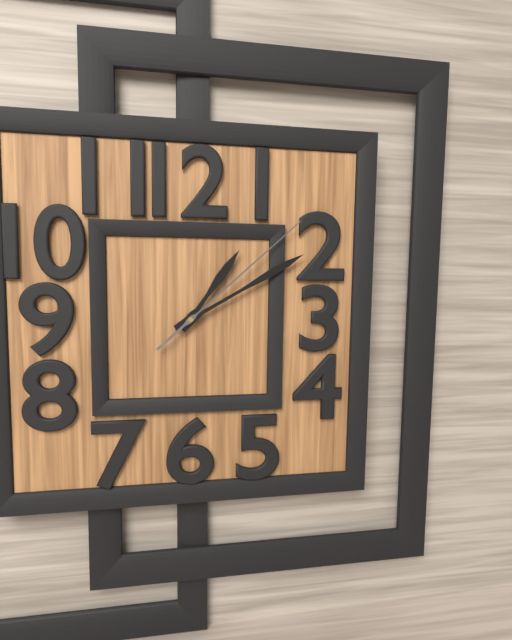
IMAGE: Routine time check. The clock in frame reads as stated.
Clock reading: 1:10:08
